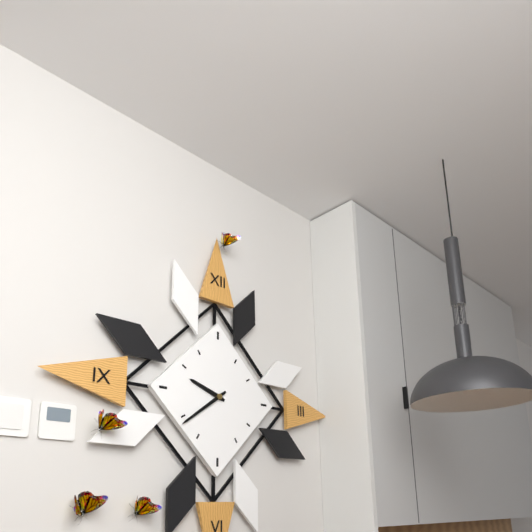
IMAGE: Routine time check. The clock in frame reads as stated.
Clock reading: 9:39
